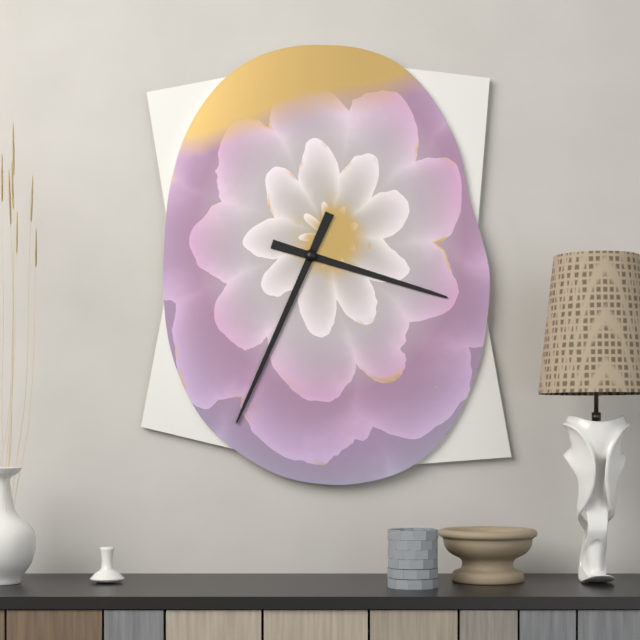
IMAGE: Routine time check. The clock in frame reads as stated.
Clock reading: 3:34
